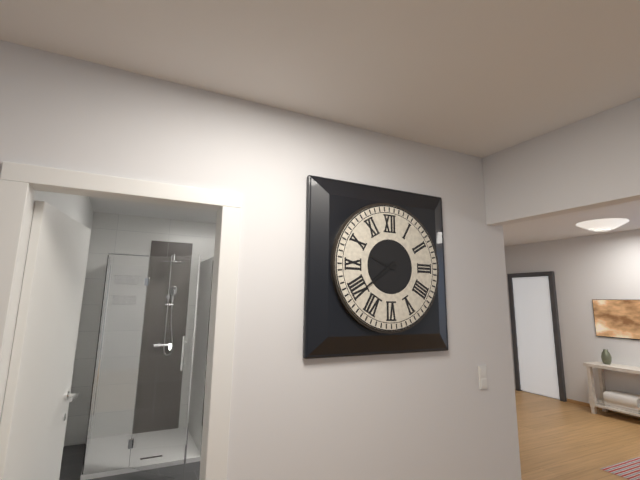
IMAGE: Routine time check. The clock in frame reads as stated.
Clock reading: 9:39
